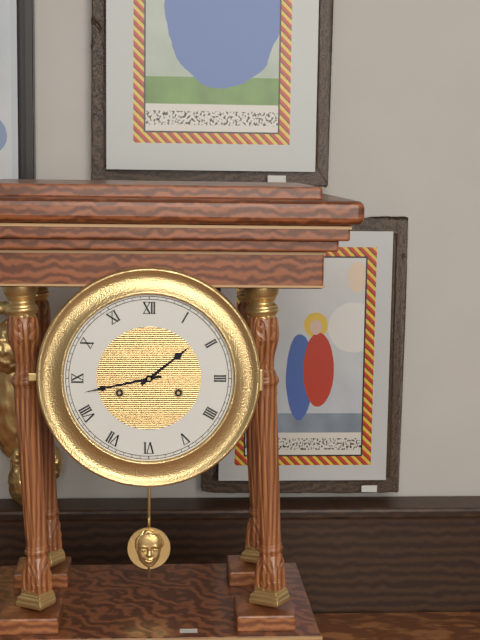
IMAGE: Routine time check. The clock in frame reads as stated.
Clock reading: 1:43
